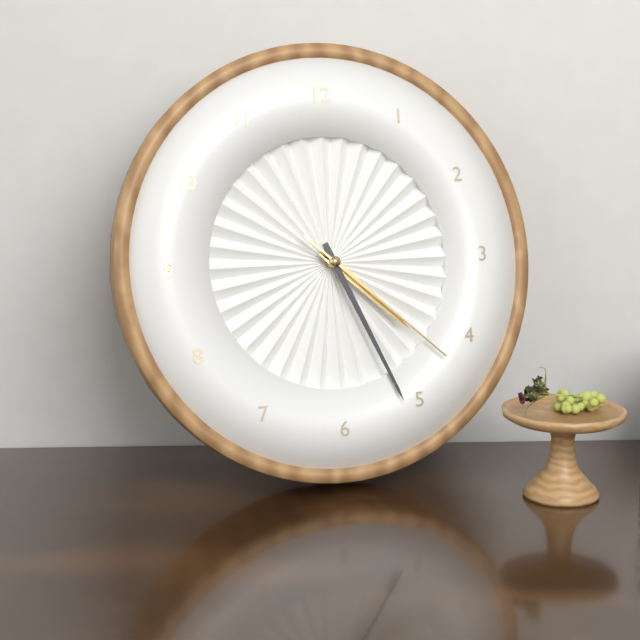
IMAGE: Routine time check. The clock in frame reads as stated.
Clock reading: 4:26:22
